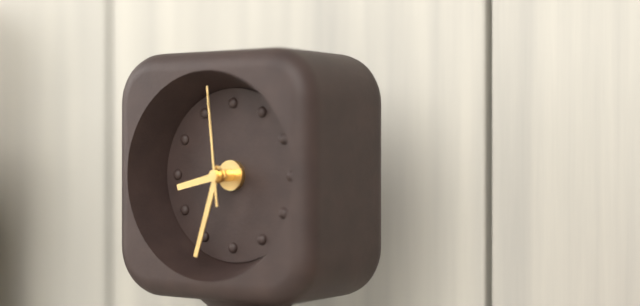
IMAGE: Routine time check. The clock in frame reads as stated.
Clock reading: 8:33:59
